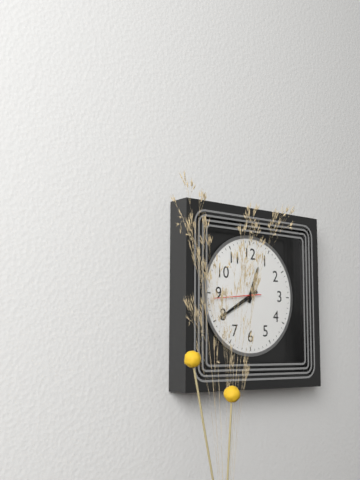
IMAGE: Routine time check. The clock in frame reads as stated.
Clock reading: 12:40
